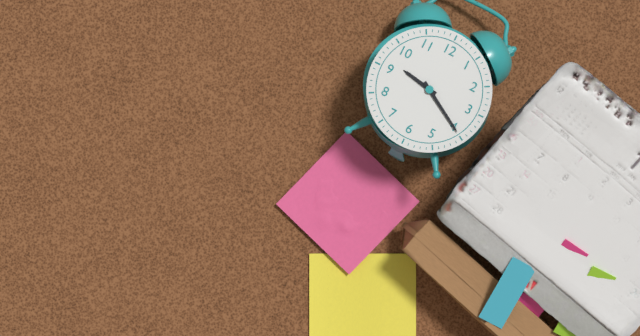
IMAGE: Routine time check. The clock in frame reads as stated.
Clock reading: 9:20
